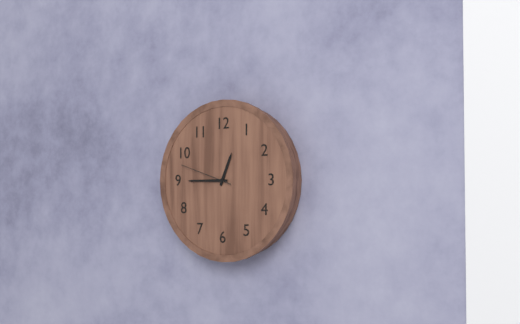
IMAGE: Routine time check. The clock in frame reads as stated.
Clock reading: 12:45:48
